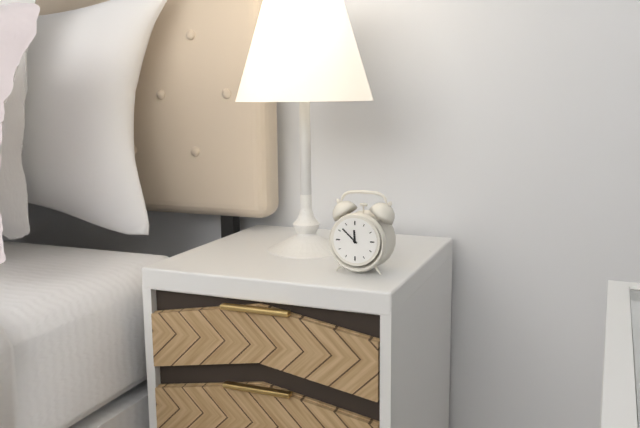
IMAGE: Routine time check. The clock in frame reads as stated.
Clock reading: 11:52
